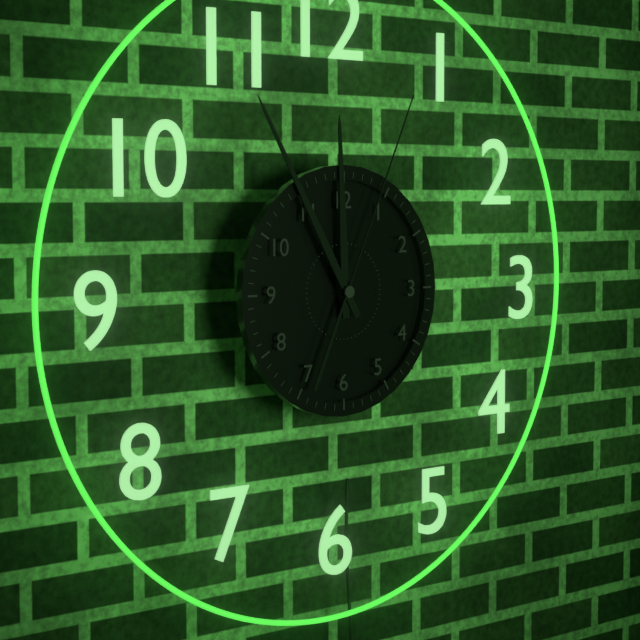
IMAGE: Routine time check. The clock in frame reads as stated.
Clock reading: 11:55:04
